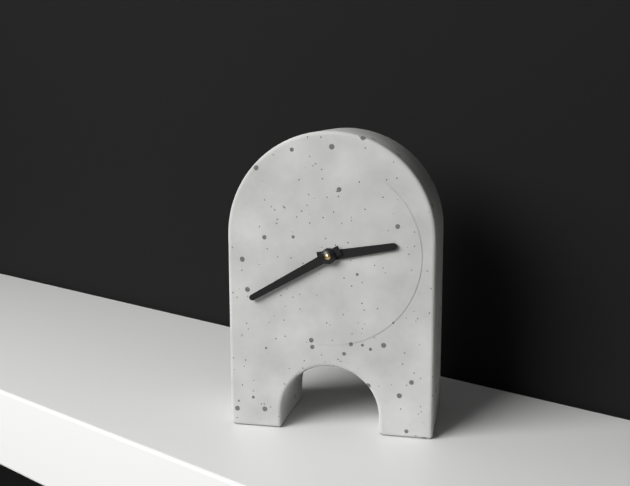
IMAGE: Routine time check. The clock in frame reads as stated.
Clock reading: 2:40
